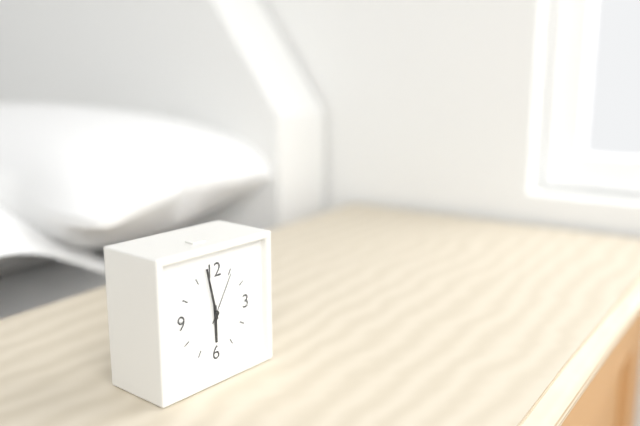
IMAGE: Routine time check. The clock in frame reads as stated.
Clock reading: 5:58:05
